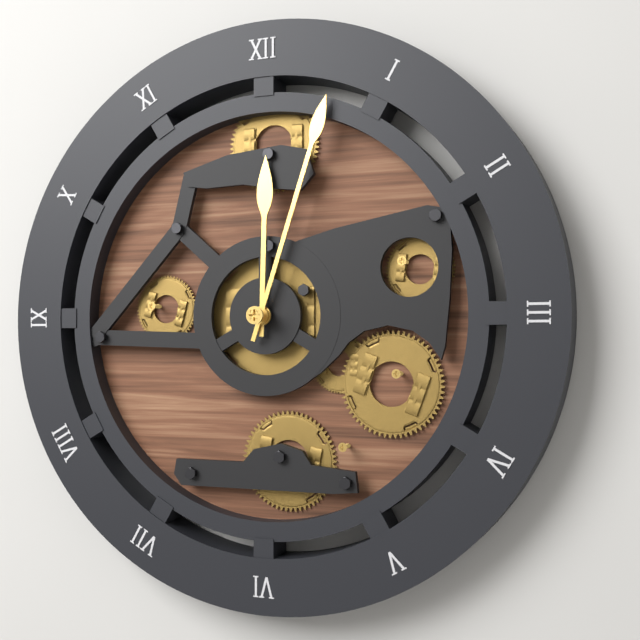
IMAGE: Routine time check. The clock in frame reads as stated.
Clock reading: 12:03
